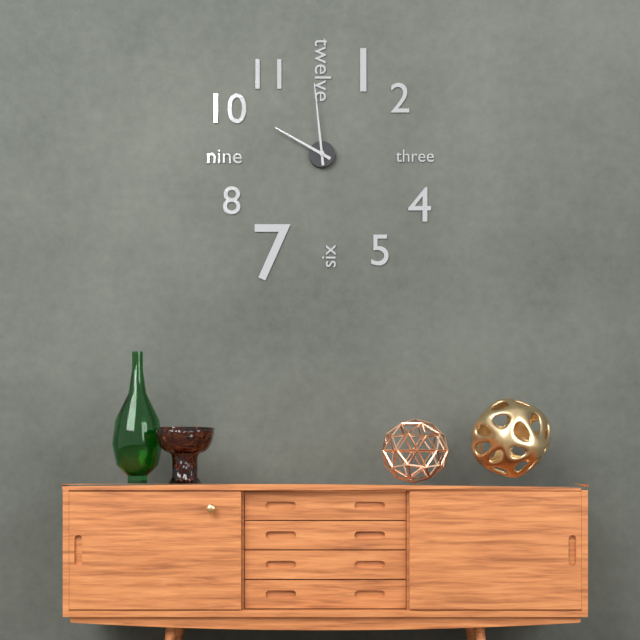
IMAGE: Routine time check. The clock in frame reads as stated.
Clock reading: 9:59
